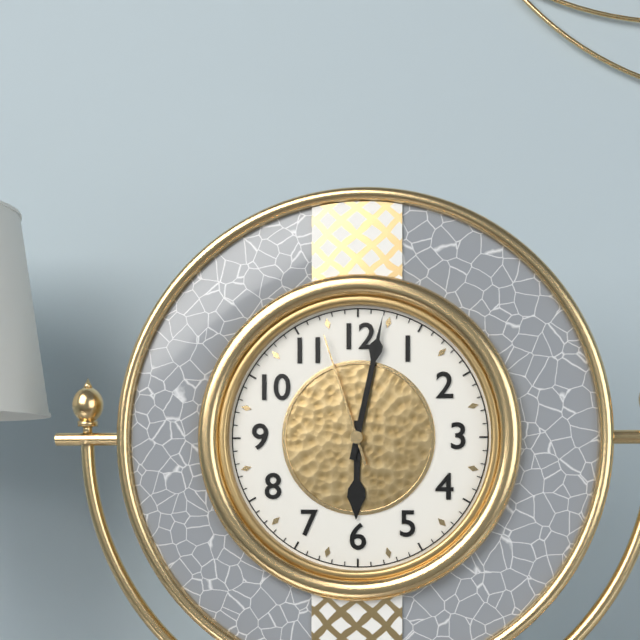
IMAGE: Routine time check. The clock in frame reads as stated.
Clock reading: 6:02:57
